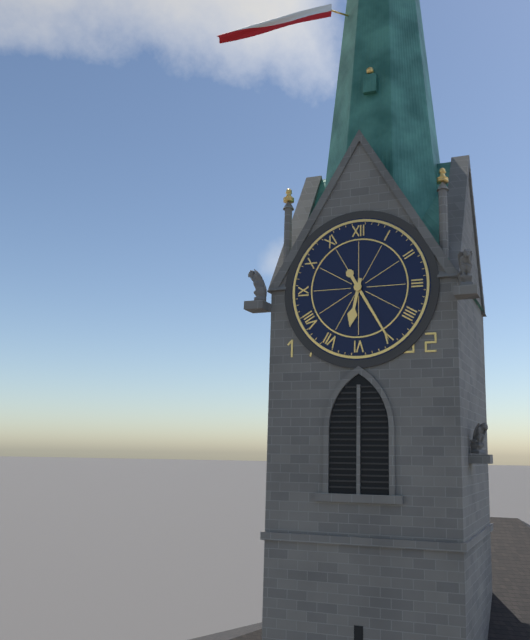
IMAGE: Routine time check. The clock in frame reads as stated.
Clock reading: 6:25
